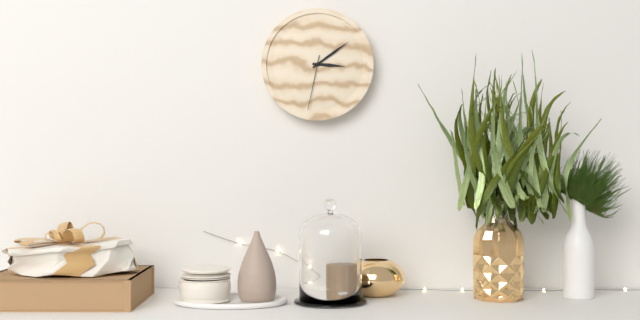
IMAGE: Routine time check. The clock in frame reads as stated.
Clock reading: 3:09:32
